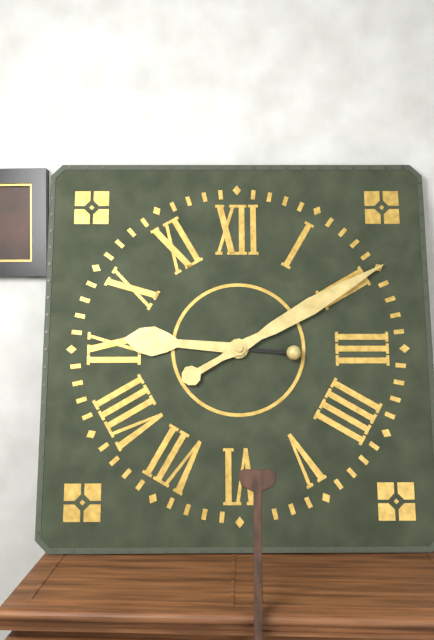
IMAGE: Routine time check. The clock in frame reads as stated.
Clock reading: 9:10
